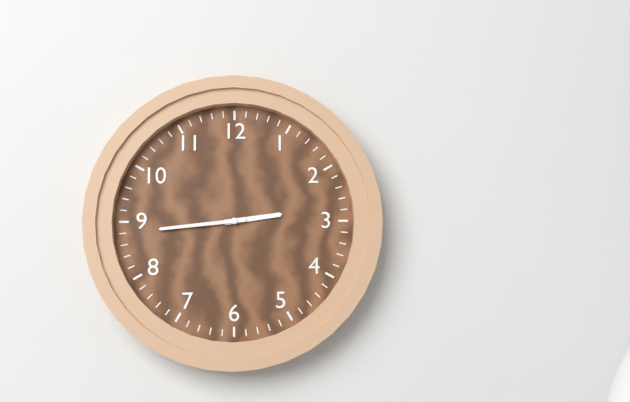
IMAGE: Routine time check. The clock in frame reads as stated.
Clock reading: 2:44
